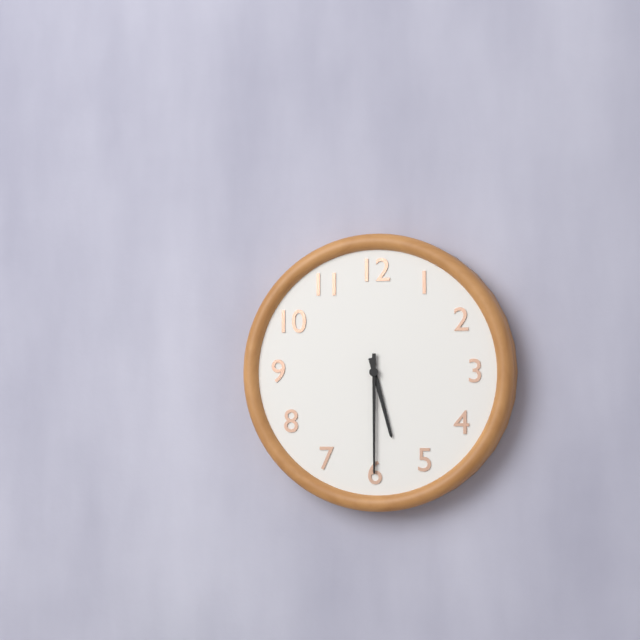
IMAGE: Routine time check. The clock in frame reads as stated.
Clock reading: 5:30
